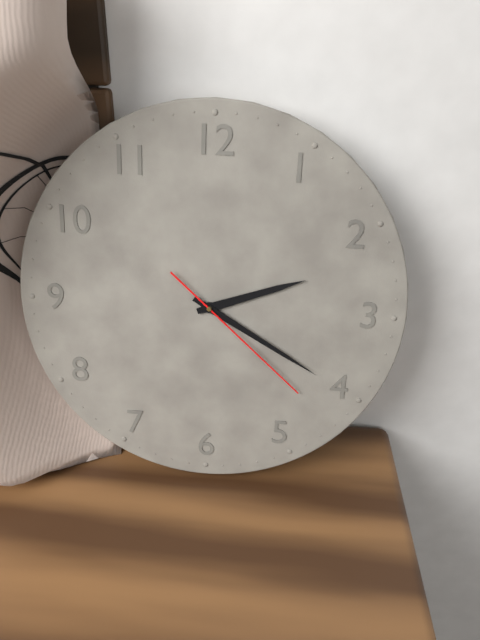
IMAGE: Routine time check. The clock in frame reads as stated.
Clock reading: 2:20:22
